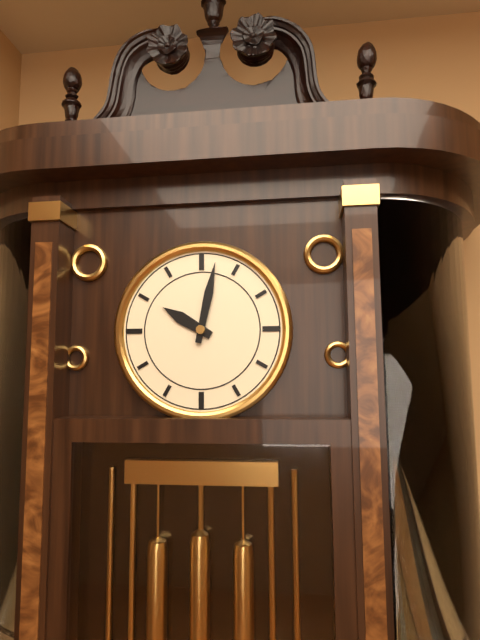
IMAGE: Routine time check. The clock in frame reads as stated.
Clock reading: 10:02
